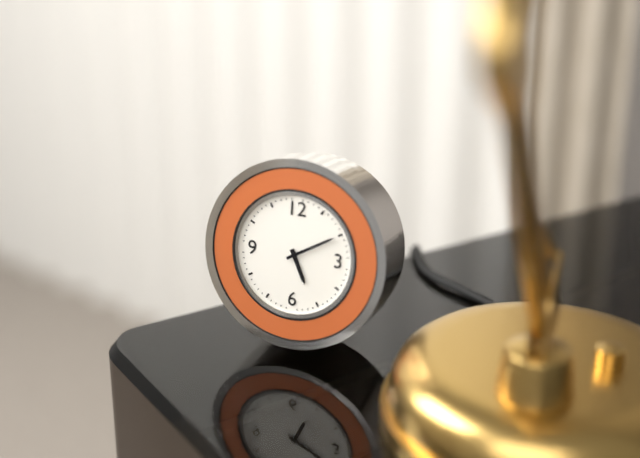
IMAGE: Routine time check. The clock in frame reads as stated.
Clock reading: 5:10
